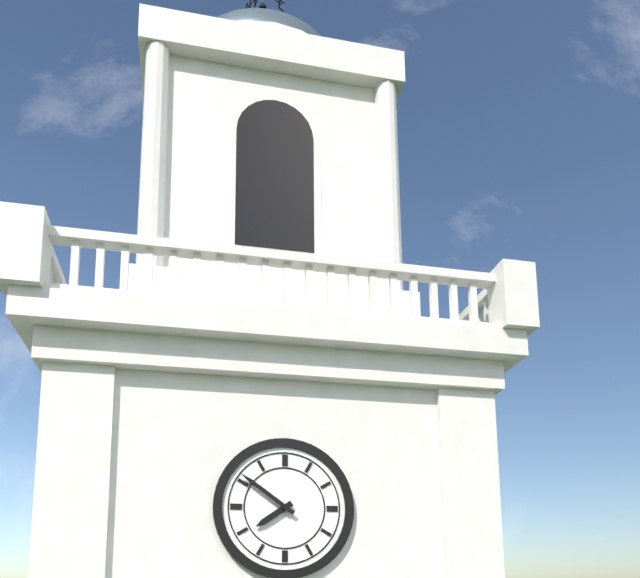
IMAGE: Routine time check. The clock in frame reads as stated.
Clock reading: 7:51
